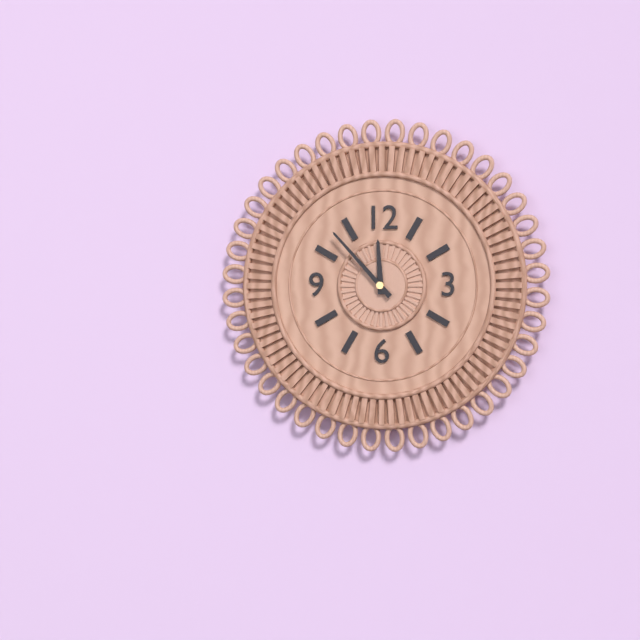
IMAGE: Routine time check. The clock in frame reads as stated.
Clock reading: 11:53
